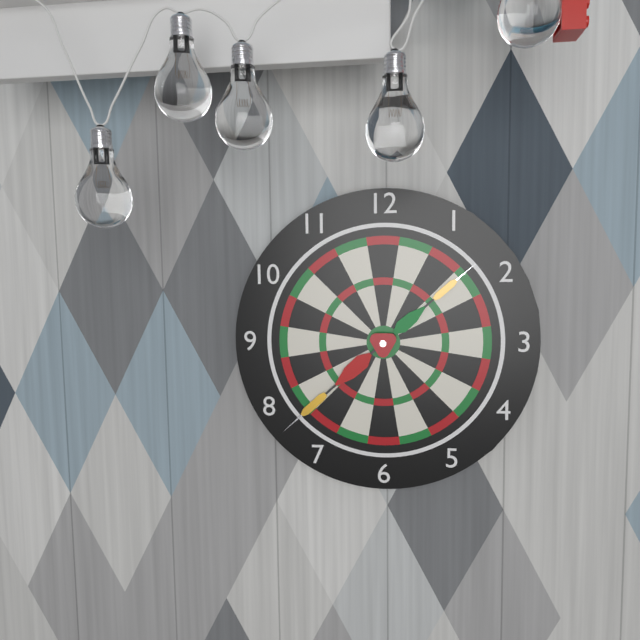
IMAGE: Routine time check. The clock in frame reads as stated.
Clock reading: 1:38
